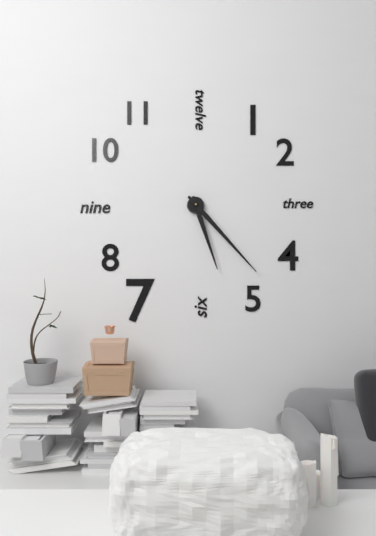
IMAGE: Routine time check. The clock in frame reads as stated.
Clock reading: 5:23
